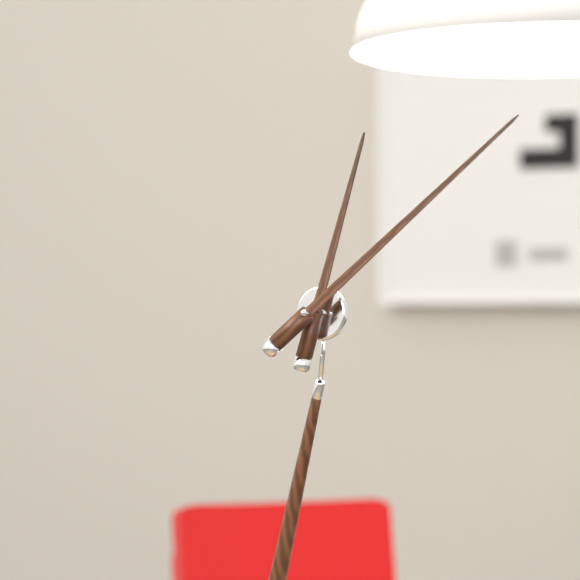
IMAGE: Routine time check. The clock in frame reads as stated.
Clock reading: 12:06
